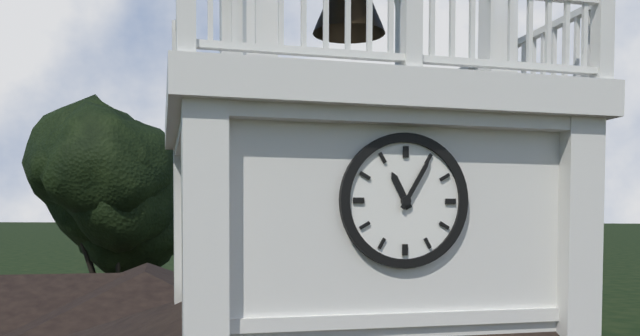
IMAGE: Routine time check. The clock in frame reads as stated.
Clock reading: 11:05
